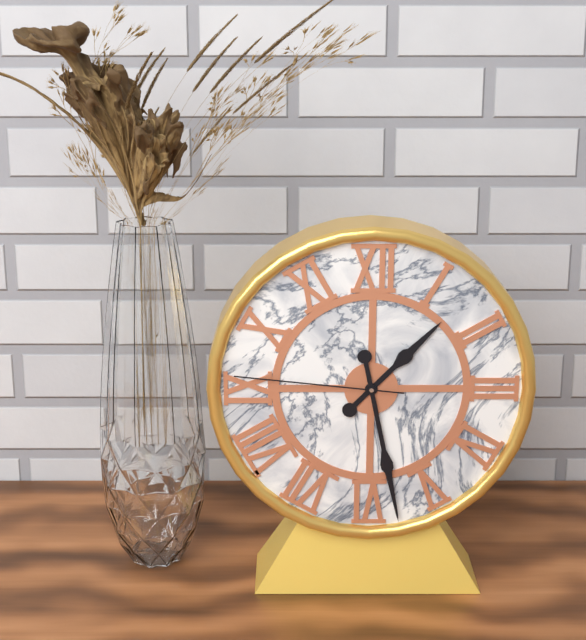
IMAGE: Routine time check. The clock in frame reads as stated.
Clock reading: 1:28:46
